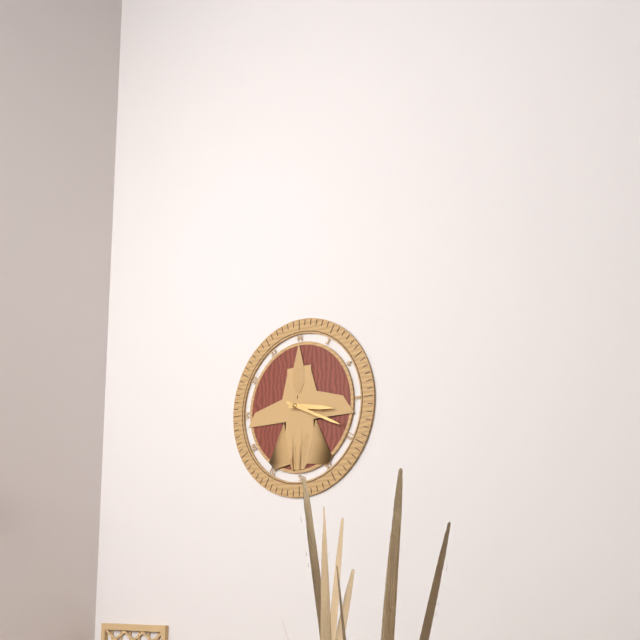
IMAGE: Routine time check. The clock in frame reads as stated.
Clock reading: 3:19
